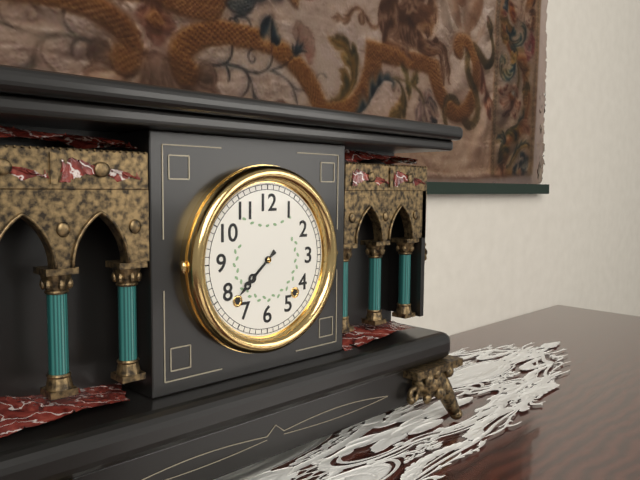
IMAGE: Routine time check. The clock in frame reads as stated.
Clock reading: 7:38
